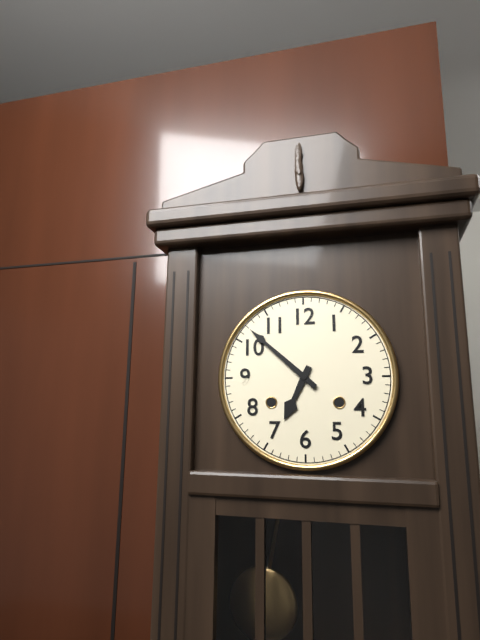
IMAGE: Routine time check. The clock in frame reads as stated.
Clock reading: 6:52
